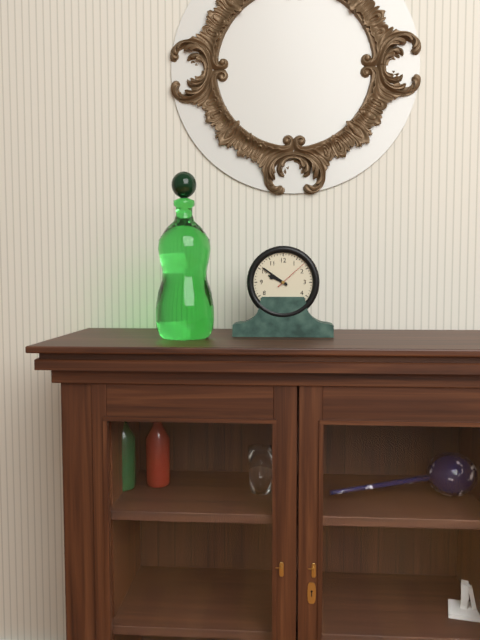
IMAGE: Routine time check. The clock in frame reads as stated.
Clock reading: 9:51
